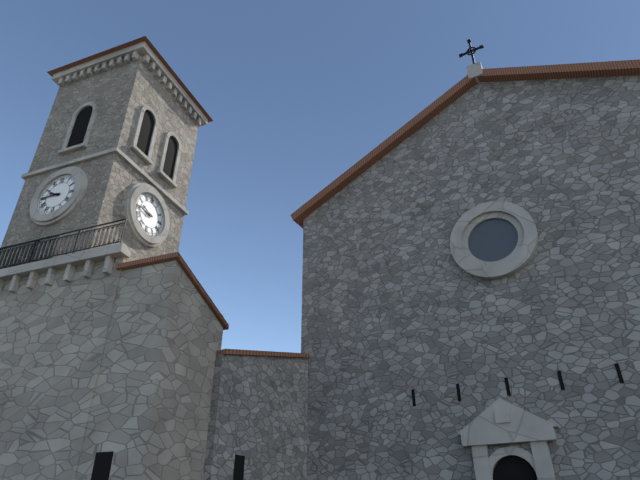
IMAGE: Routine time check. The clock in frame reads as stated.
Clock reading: 9:45
